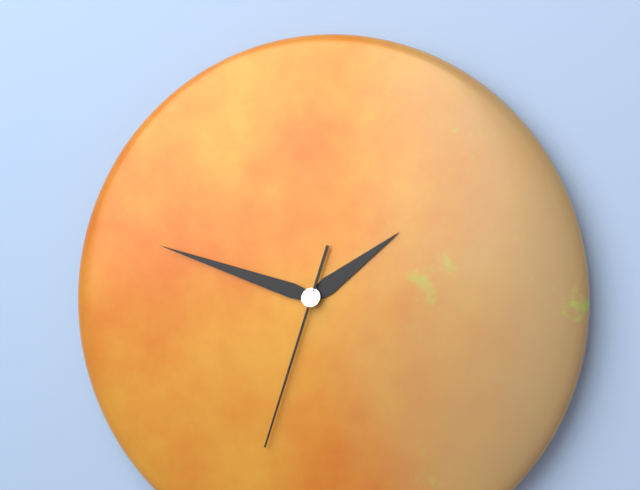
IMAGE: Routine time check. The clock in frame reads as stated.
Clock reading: 1:48:33
